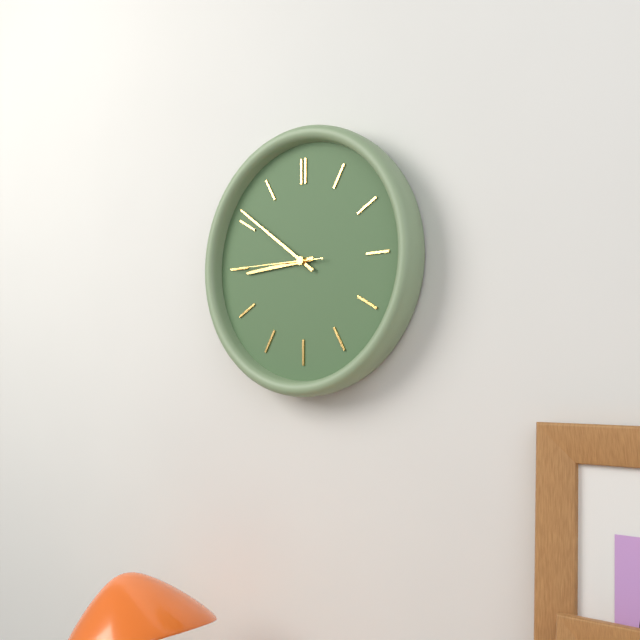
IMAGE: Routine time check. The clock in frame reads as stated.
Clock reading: 8:51:45
